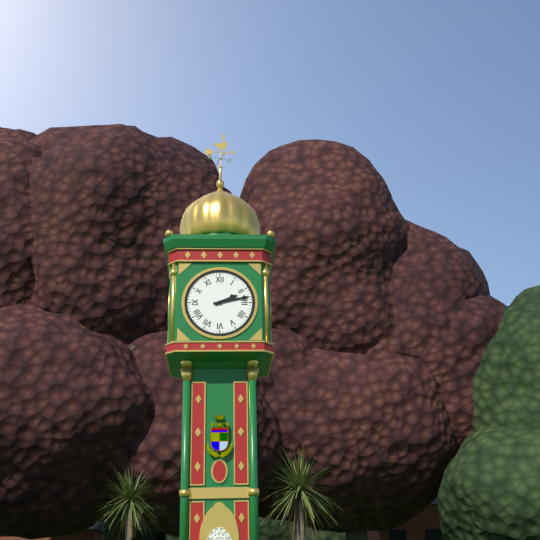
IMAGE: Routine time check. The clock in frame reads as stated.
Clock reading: 2:13
